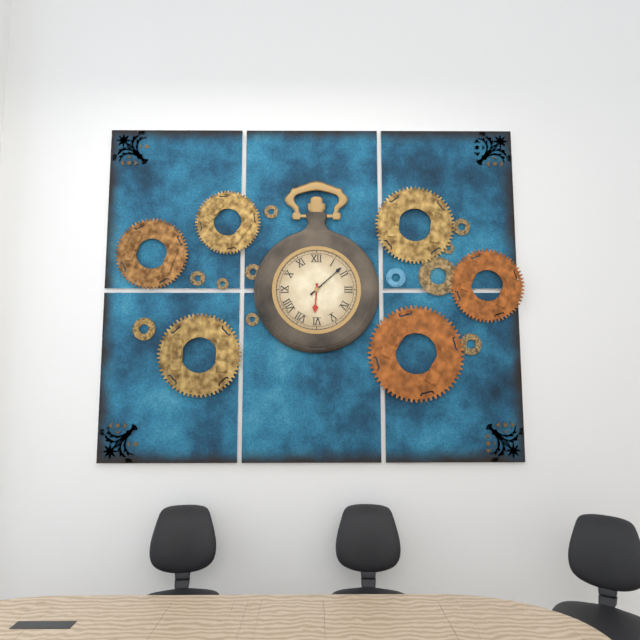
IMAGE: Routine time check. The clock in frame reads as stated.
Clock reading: 6:08
